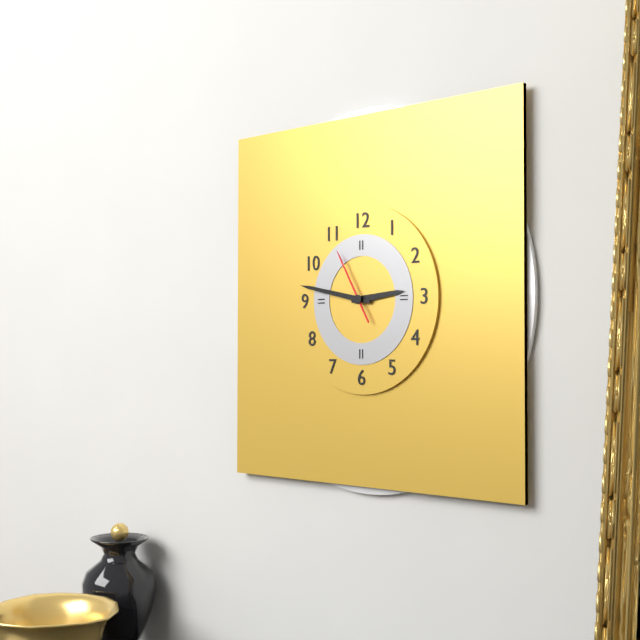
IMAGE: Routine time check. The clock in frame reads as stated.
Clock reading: 2:47:55
